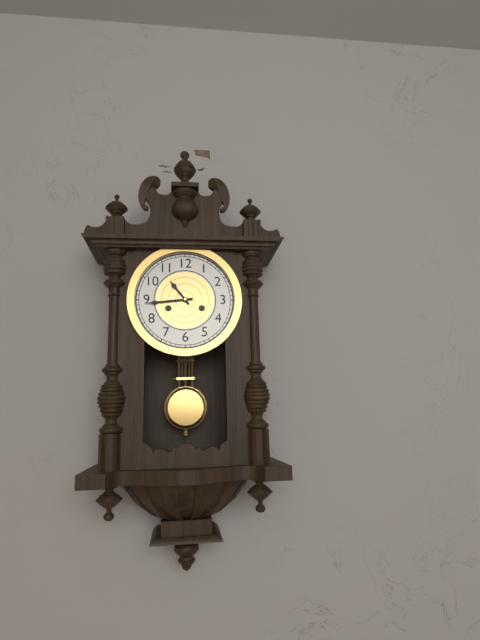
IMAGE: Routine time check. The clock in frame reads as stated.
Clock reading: 10:44
